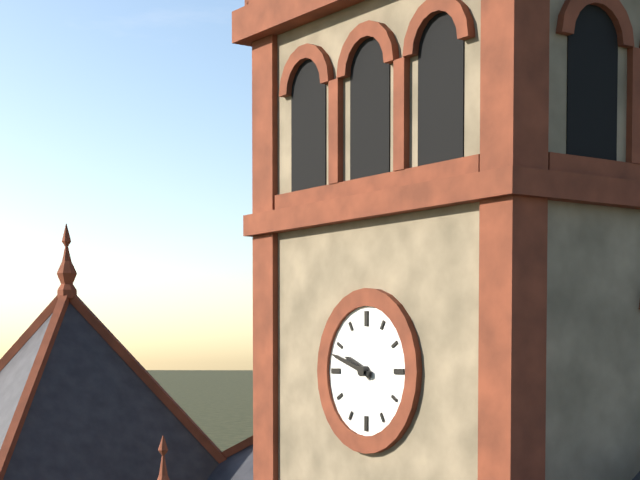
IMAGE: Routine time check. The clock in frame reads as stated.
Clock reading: 9:48
